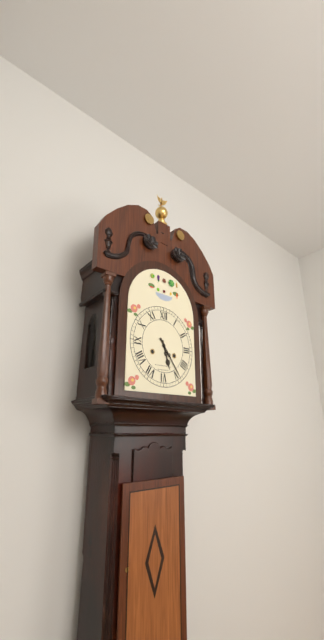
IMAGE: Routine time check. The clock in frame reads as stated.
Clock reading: 5:24
